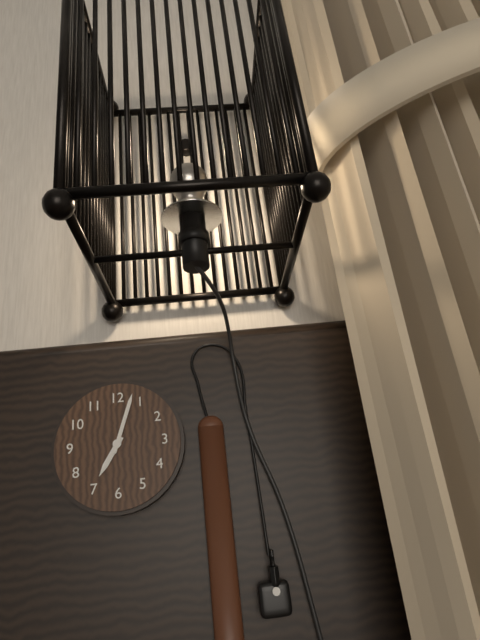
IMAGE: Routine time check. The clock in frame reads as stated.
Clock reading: 7:03
